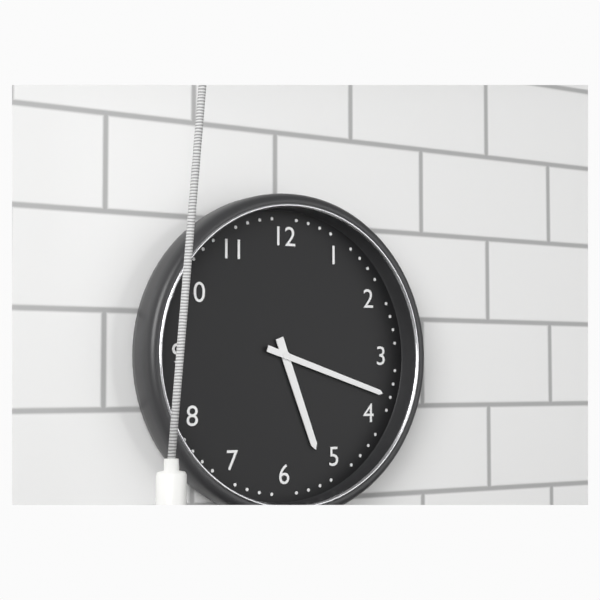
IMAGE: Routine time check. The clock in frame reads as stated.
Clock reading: 5:18
